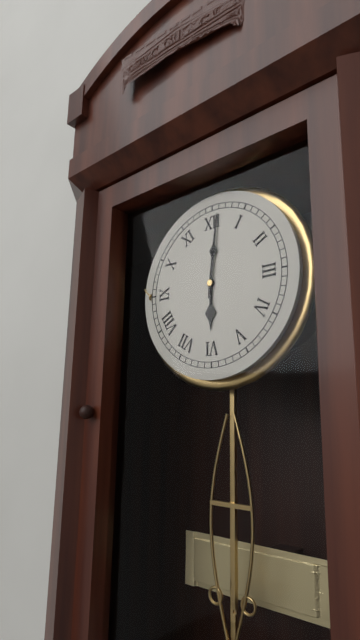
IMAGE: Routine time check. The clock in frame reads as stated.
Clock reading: 6:01
